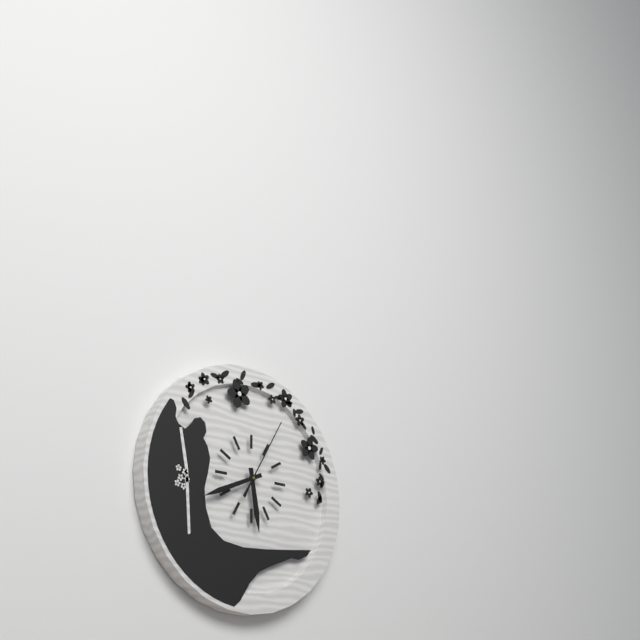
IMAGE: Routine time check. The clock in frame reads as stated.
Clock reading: 5:41:05
